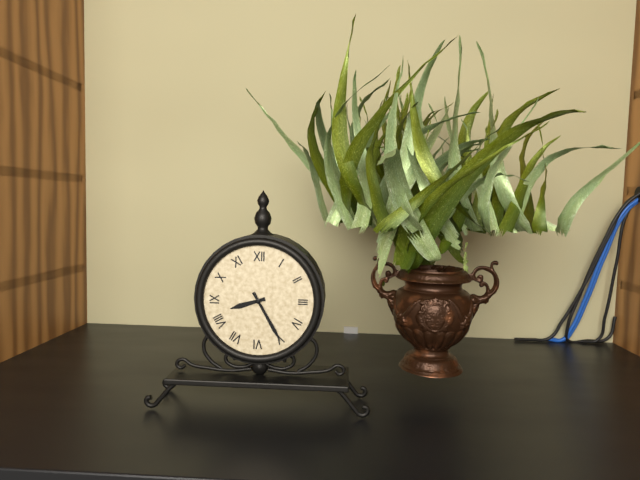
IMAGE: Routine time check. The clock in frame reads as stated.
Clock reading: 8:25
